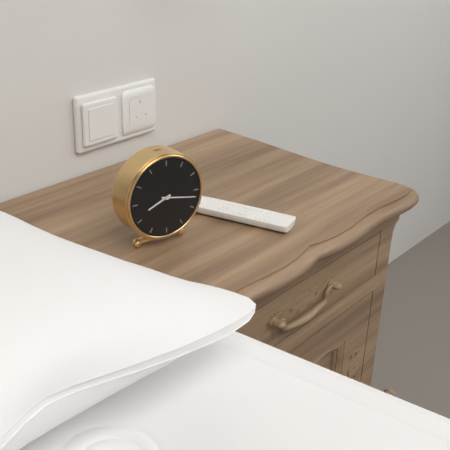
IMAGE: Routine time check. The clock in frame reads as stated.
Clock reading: 8:17
